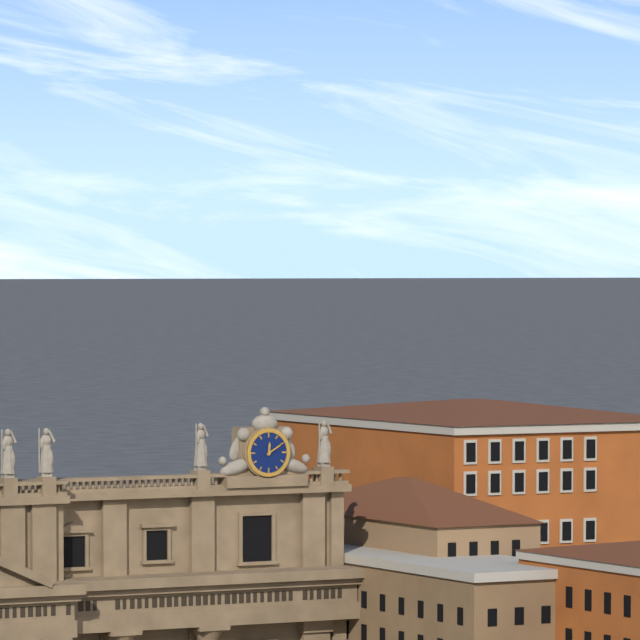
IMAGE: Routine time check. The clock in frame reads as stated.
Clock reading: 12:10
